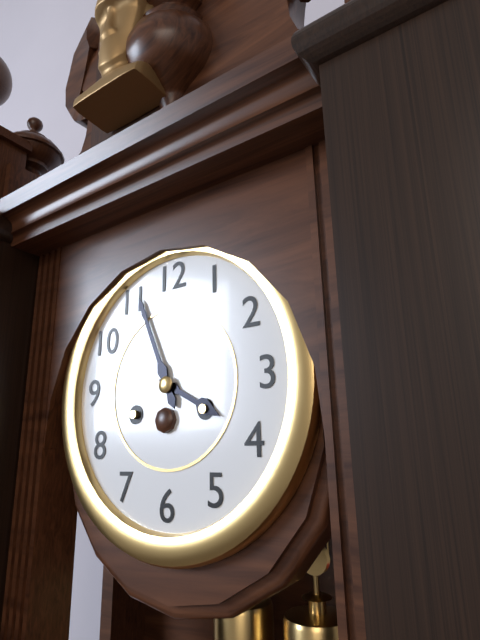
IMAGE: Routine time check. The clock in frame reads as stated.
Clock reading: 3:56
